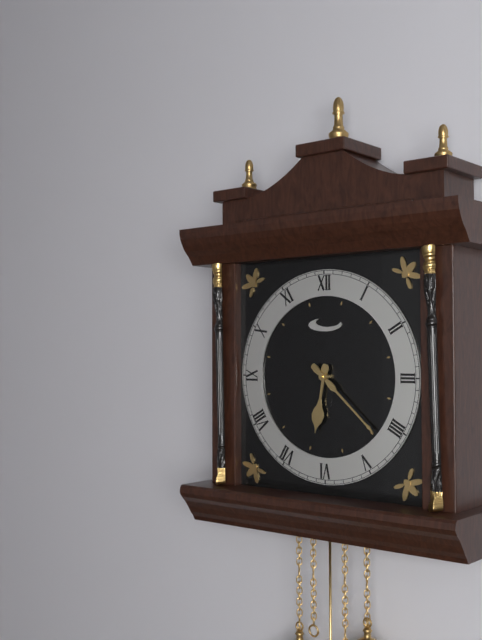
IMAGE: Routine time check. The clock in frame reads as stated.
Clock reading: 6:22
